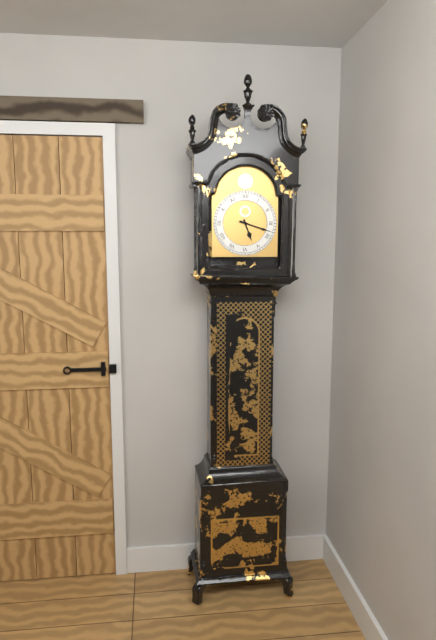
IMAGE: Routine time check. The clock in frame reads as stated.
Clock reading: 5:18
